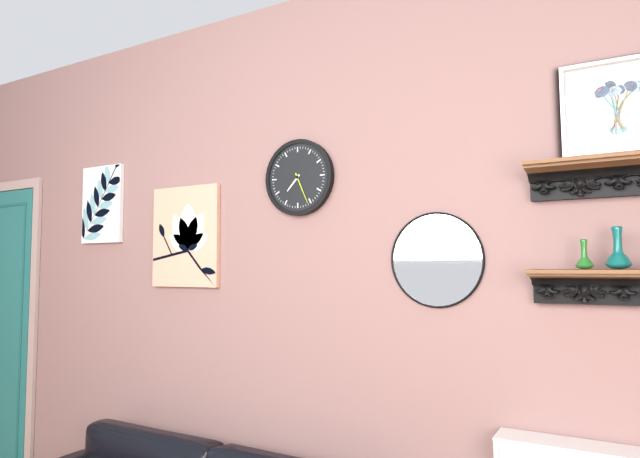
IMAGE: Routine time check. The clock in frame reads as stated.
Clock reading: 7:26
